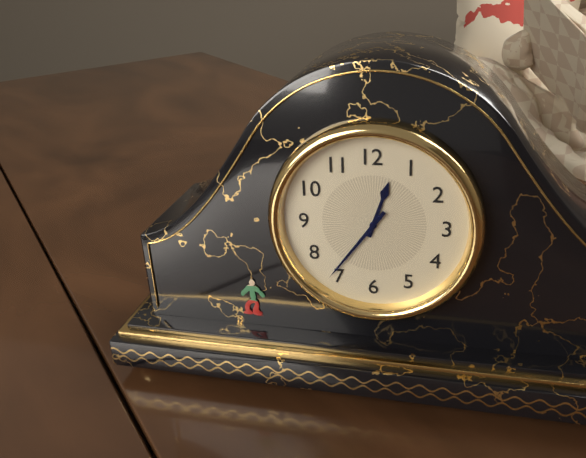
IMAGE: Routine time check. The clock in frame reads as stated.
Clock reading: 12:36
